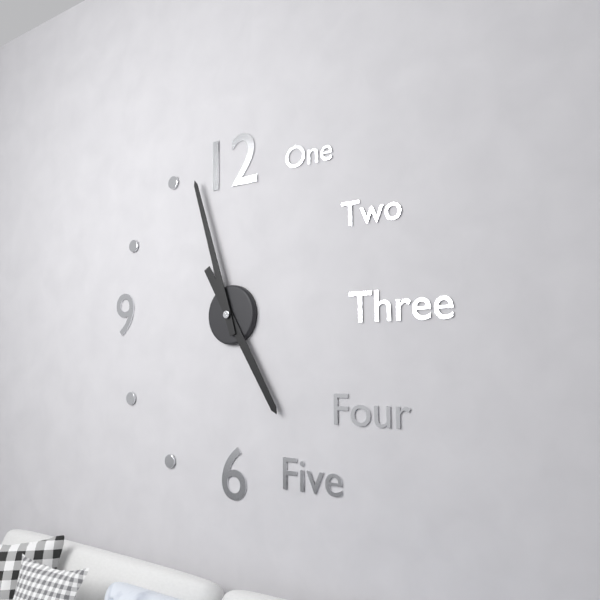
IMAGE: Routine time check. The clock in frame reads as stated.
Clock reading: 4:57
